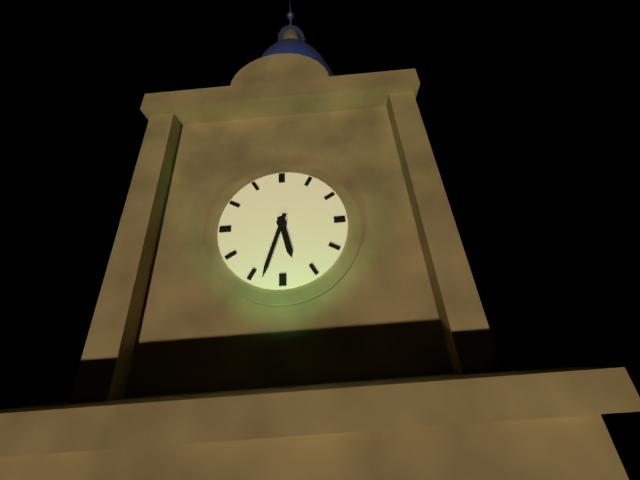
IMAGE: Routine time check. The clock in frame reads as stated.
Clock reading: 5:33
